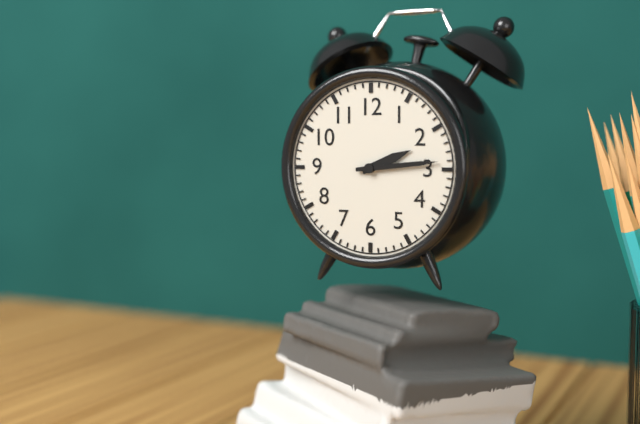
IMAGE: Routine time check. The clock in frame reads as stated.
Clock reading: 2:14
